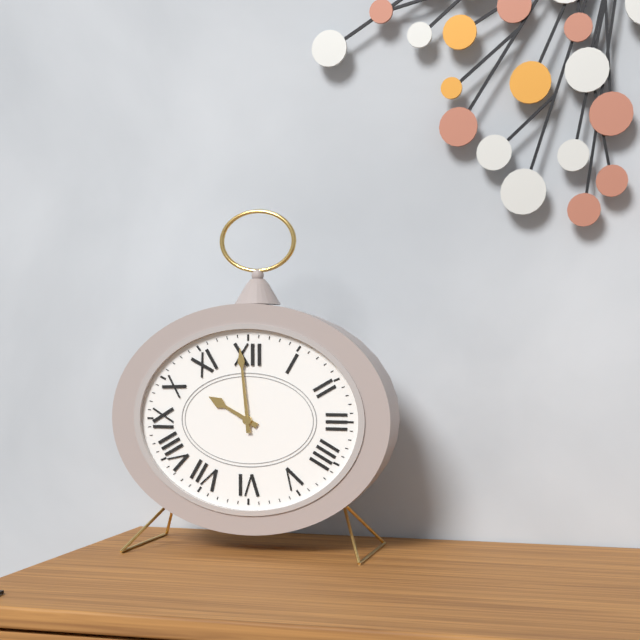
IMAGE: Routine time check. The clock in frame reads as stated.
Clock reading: 9:59
